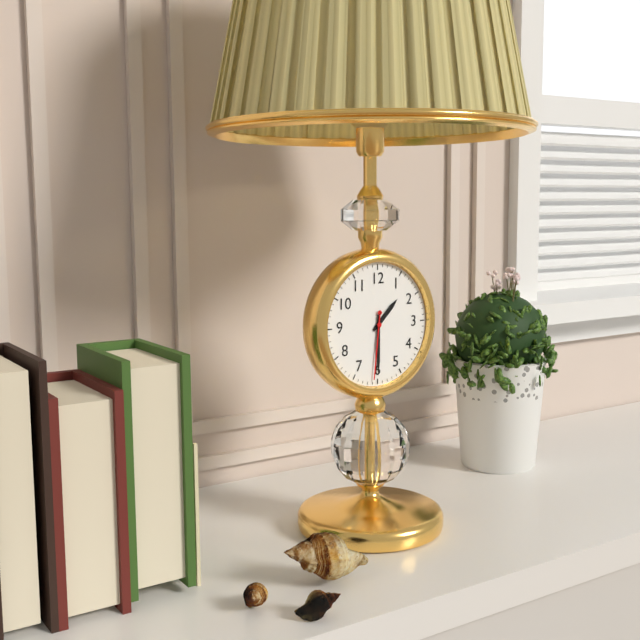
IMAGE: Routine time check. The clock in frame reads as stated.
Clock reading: 1:30:31
